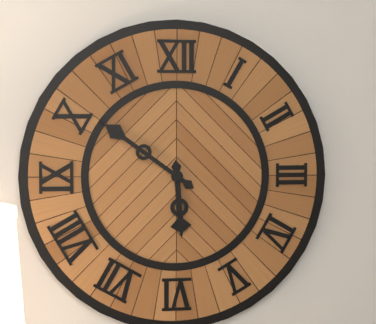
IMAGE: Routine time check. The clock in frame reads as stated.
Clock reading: 5:51
